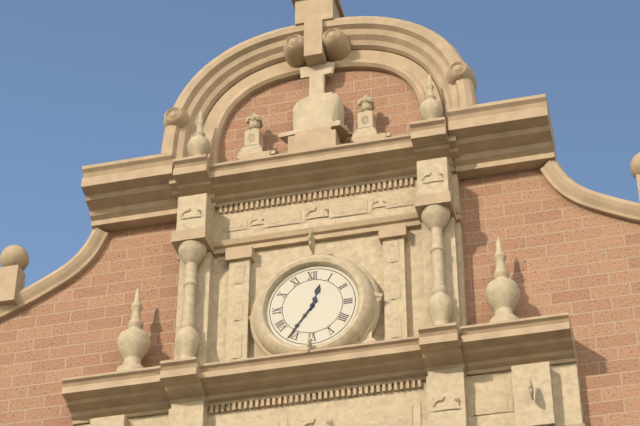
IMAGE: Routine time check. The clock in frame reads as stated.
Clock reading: 12:36
